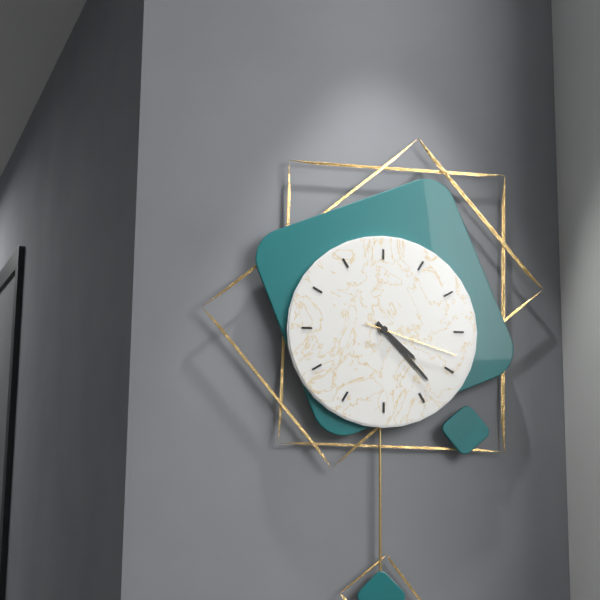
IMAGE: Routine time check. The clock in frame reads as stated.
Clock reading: 4:23:18
